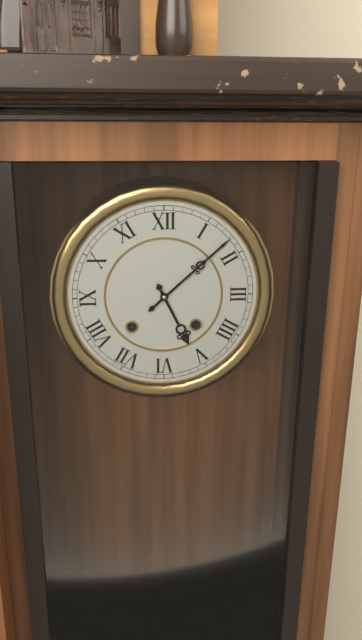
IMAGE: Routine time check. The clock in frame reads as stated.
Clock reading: 5:08
